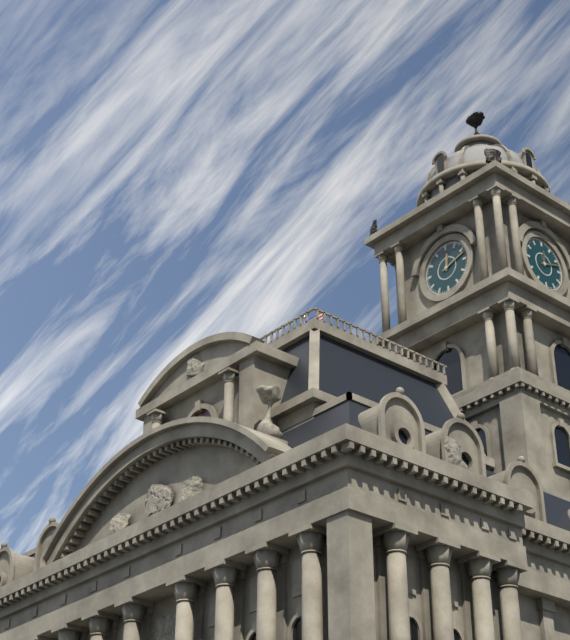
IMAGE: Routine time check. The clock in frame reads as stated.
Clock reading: 12:12
